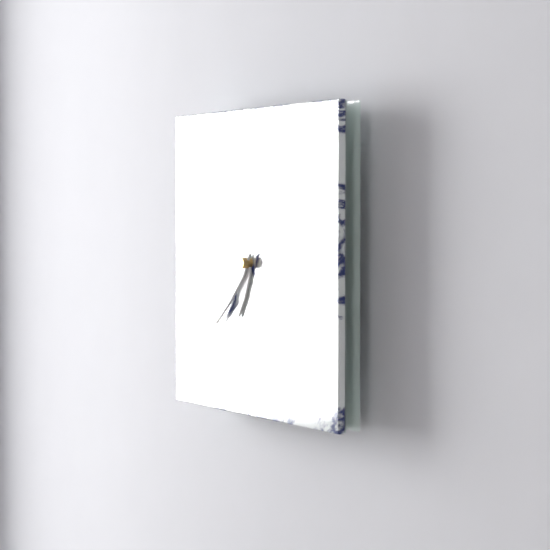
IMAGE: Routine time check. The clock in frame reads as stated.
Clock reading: 6:37
